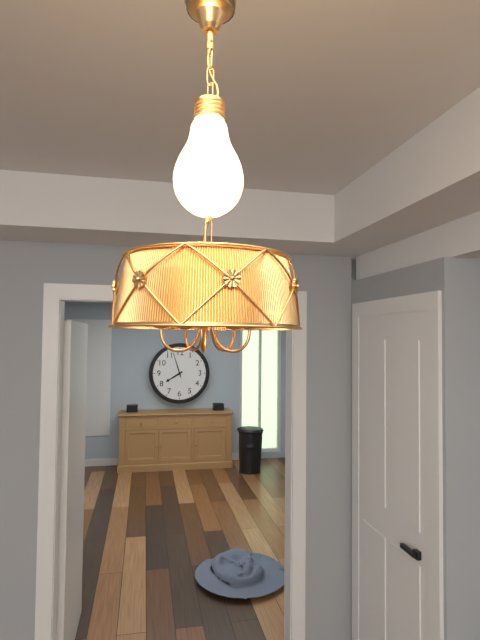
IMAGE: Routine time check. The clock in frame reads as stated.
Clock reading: 7:57
